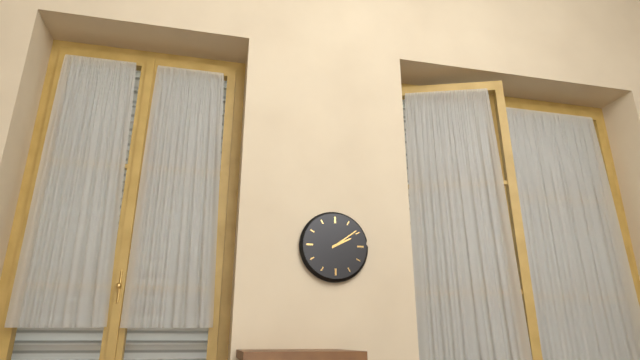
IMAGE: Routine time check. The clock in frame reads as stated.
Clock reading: 2:09
